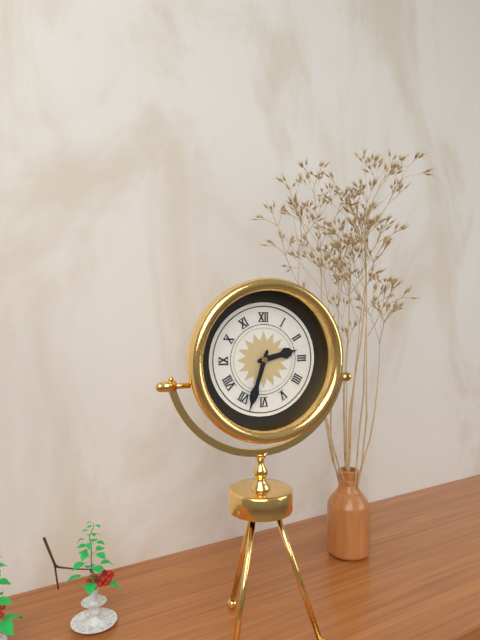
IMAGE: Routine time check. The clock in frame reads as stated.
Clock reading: 2:33
